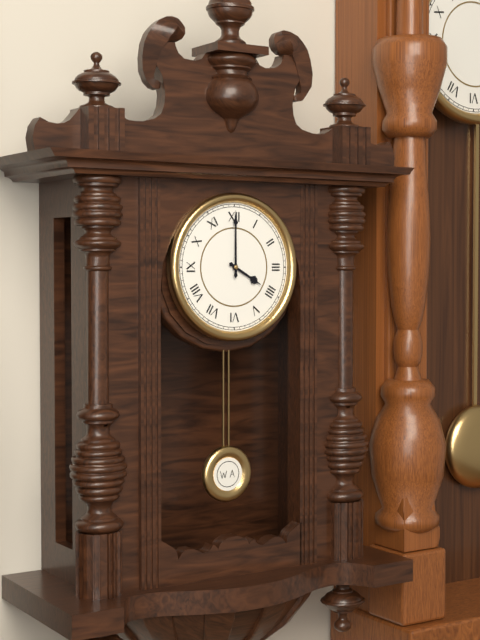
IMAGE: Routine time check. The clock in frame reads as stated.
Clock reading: 4:00
